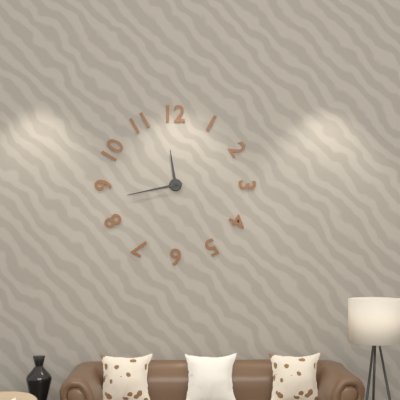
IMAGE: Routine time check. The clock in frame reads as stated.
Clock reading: 11:43
